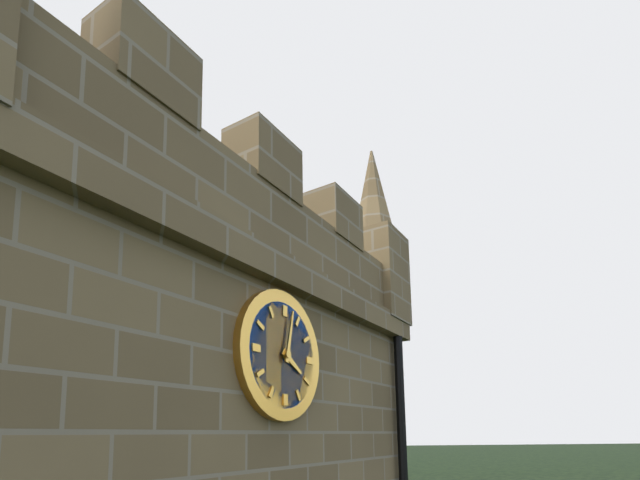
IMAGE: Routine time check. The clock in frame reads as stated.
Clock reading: 4:02
